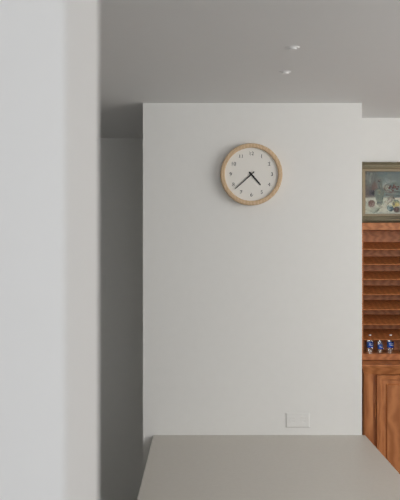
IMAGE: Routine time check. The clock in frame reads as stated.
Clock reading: 4:38
